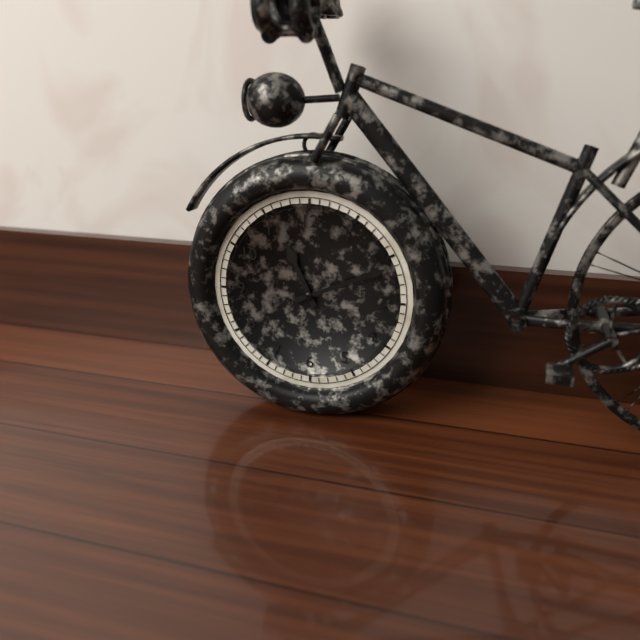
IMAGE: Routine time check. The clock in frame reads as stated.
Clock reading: 11:11
